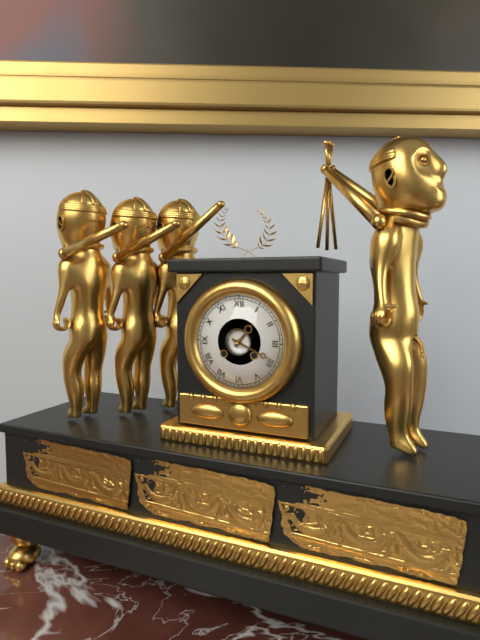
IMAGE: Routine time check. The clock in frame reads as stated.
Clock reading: 1:19
